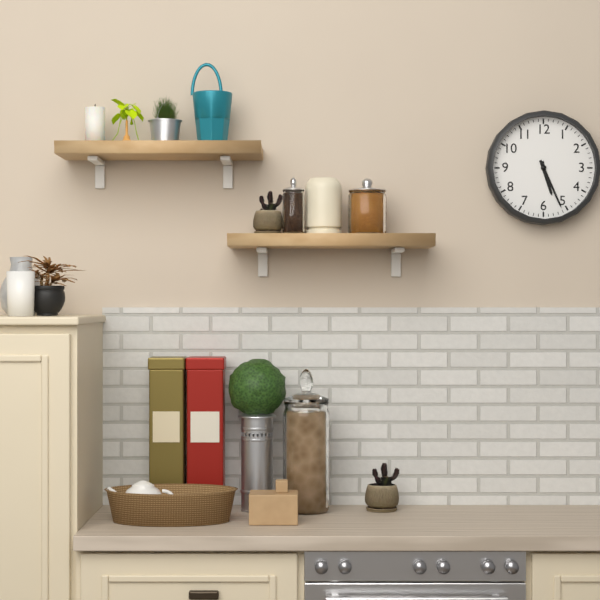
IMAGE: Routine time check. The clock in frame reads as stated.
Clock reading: 5:26
